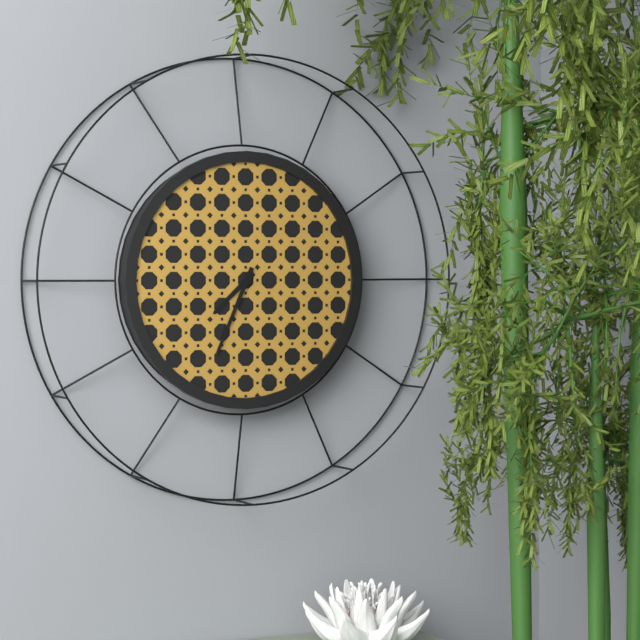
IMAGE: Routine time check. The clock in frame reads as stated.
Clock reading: 7:34
